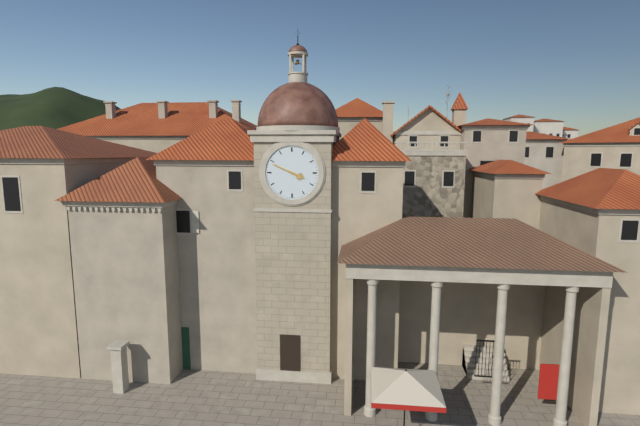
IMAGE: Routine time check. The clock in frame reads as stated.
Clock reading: 3:49
